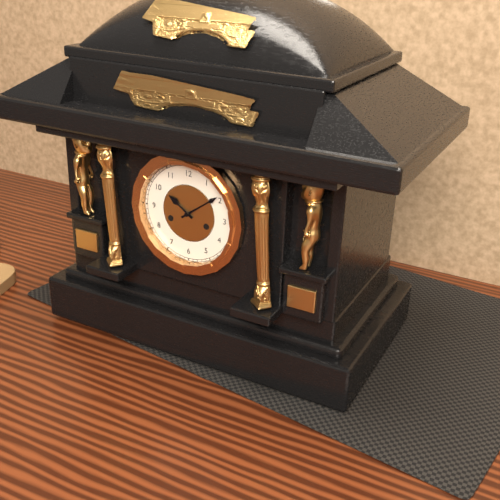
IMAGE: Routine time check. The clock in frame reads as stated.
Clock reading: 10:09
